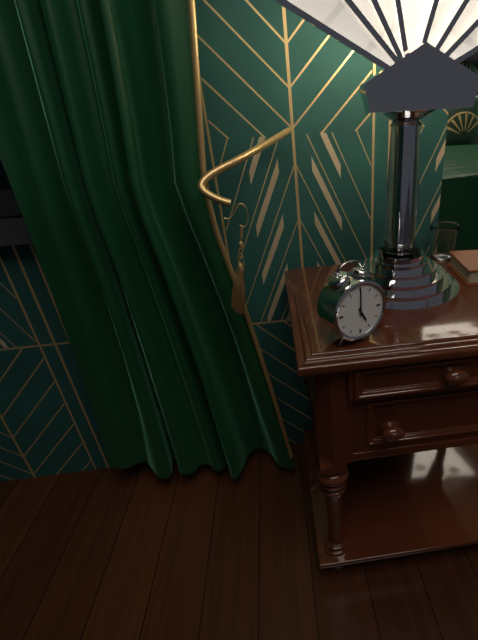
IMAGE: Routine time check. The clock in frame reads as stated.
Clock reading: 5:00
